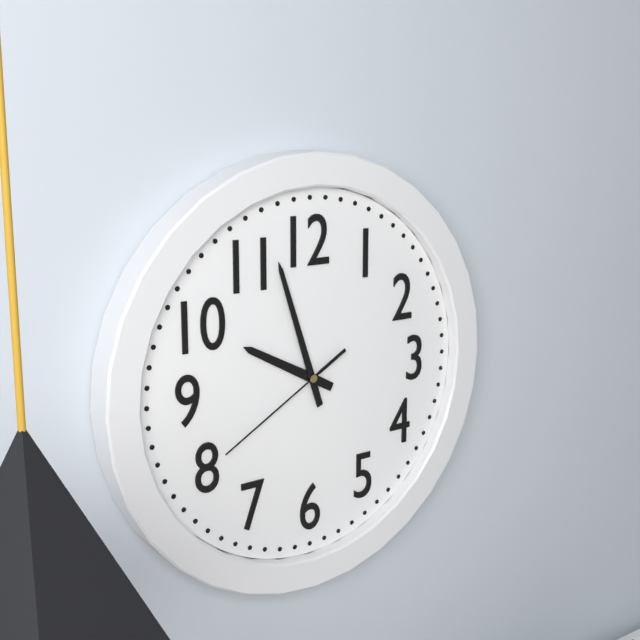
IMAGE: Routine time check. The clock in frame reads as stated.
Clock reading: 9:57:40
